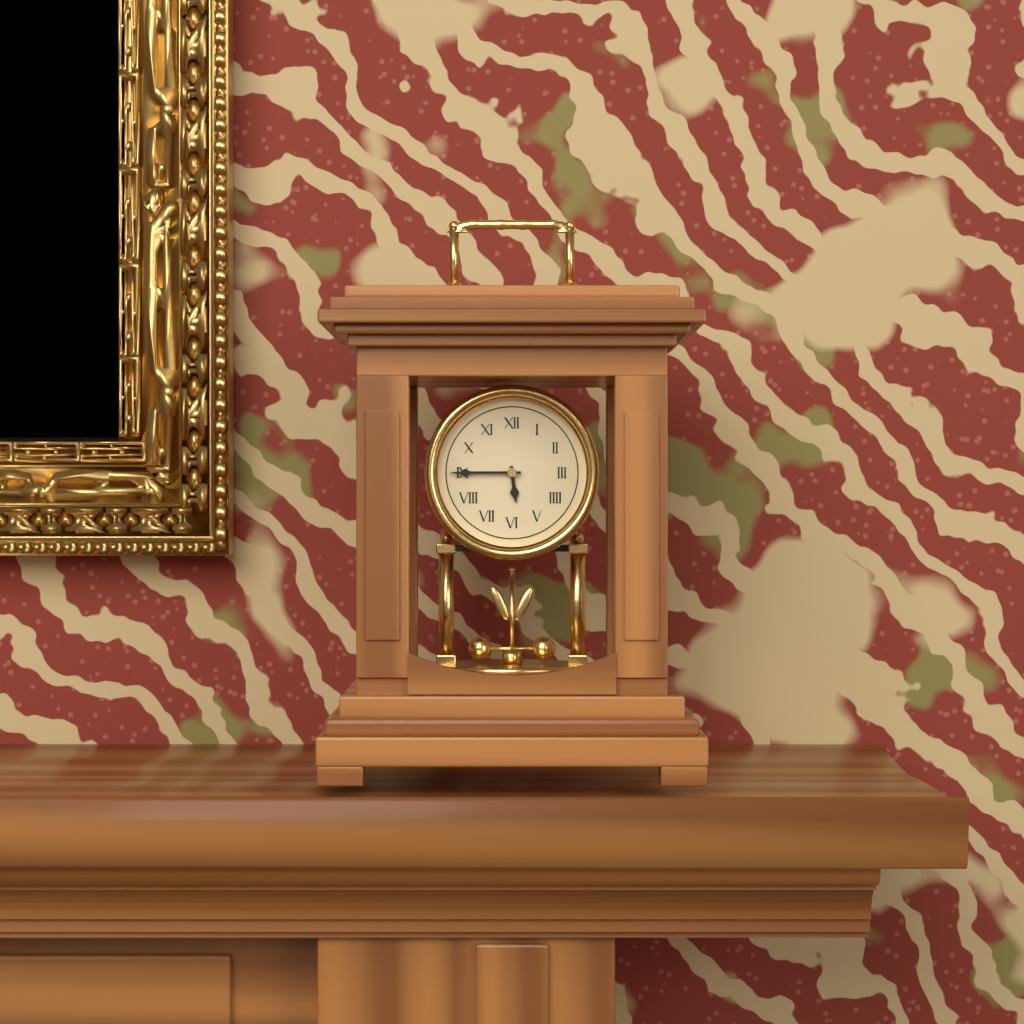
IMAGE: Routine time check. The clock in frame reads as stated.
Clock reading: 5:45
